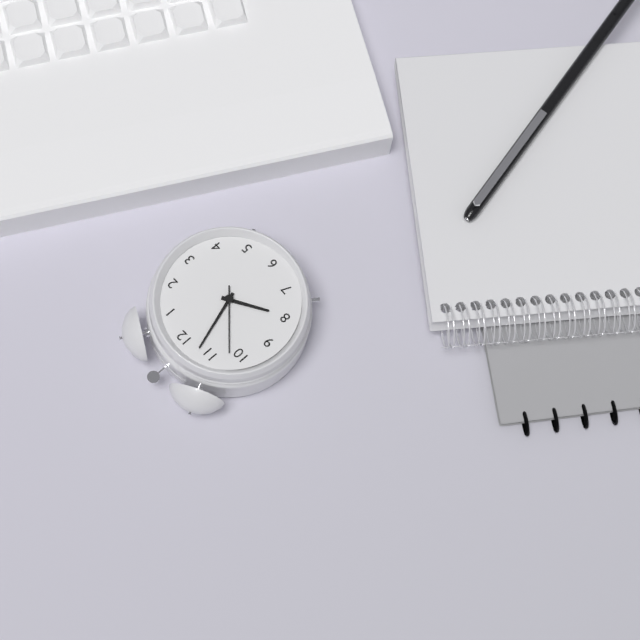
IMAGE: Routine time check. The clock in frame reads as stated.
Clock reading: 7:57
